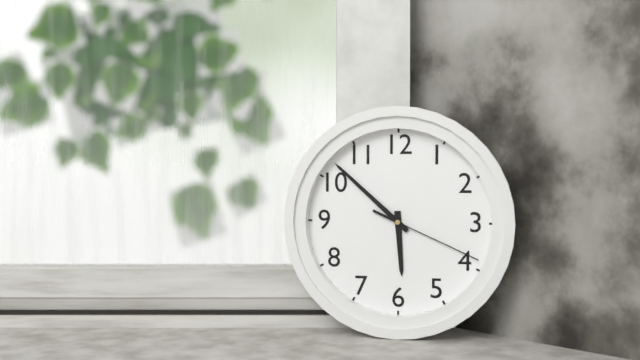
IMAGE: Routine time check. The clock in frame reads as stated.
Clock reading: 5:52:19
